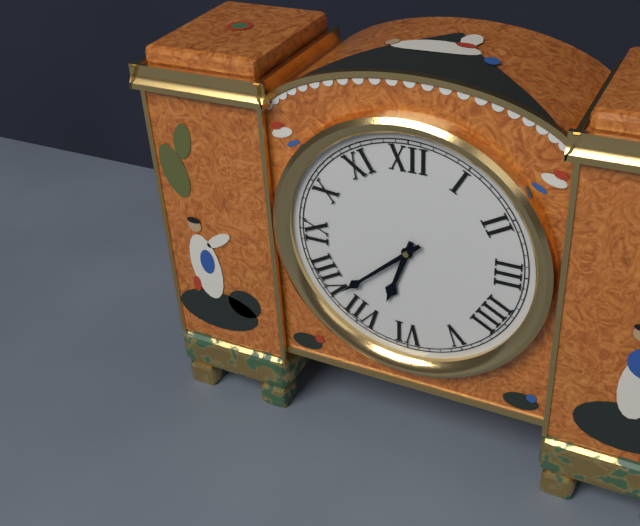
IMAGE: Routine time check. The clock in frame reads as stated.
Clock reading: 6:38
